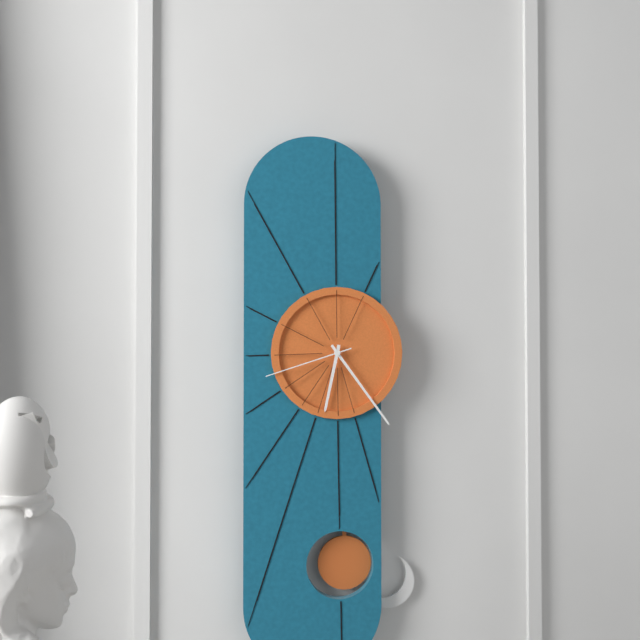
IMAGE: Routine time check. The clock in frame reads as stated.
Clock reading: 6:24:42
